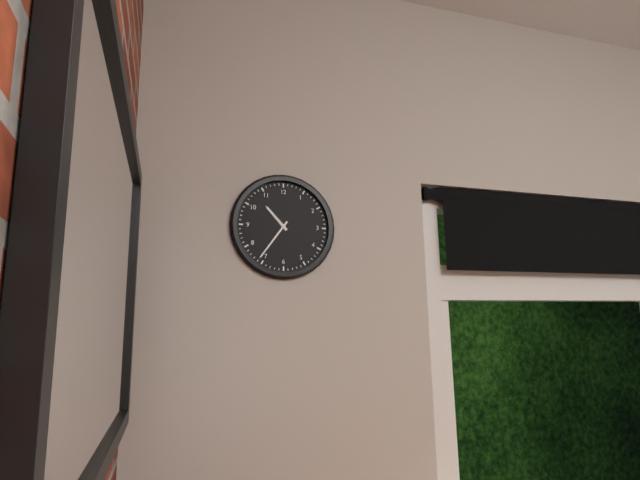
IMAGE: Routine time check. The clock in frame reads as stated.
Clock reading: 10:36
